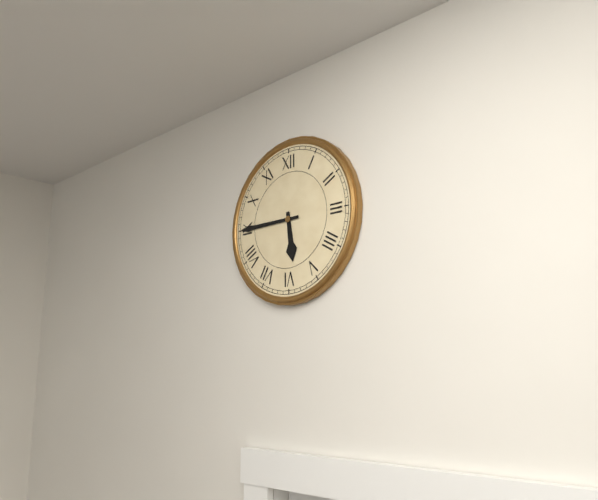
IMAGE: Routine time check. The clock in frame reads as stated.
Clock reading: 5:45
